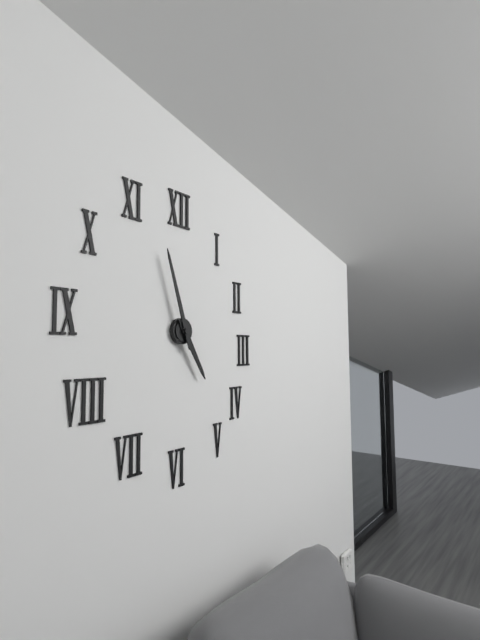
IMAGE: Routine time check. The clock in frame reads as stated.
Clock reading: 4:57
